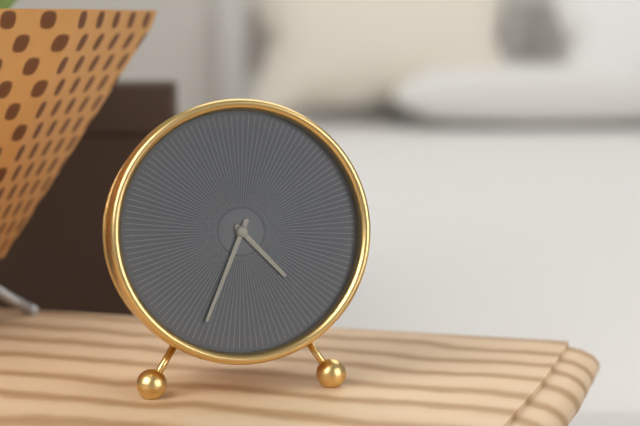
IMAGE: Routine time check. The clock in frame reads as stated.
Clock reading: 4:34
